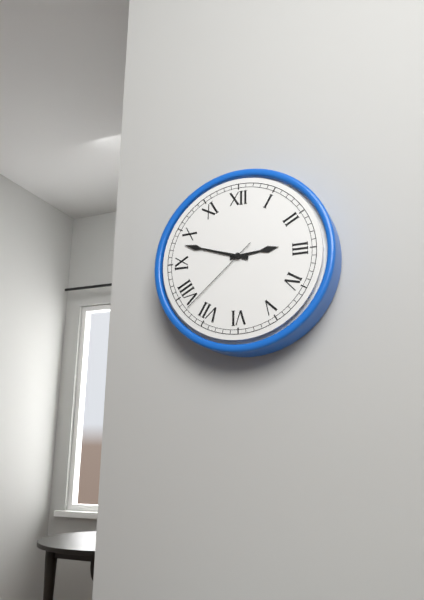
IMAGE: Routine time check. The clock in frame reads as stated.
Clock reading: 2:48:38
